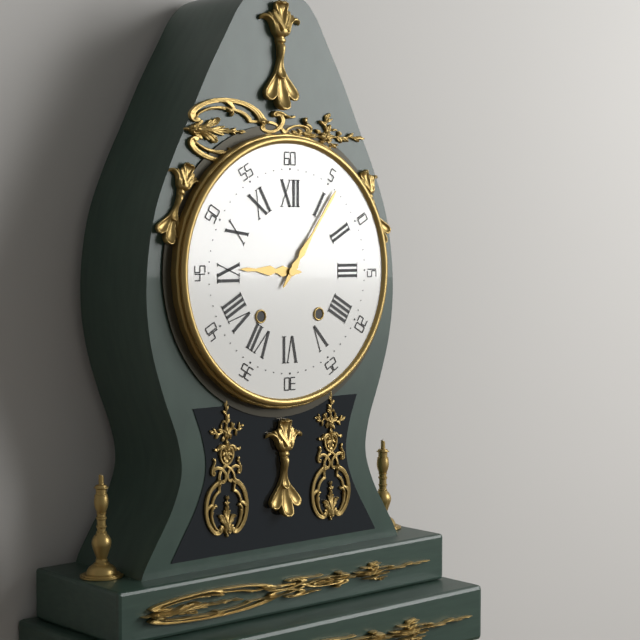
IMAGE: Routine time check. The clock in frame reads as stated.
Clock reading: 9:06
